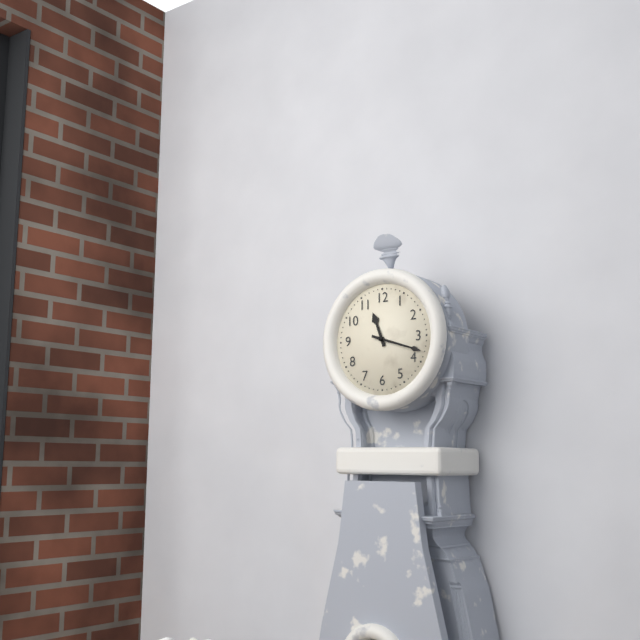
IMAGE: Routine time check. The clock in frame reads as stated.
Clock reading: 11:18
